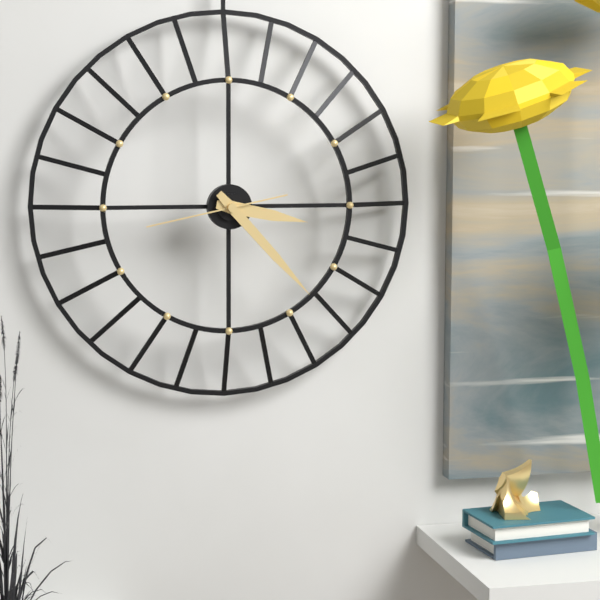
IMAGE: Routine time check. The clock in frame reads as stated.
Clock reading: 3:23:43
